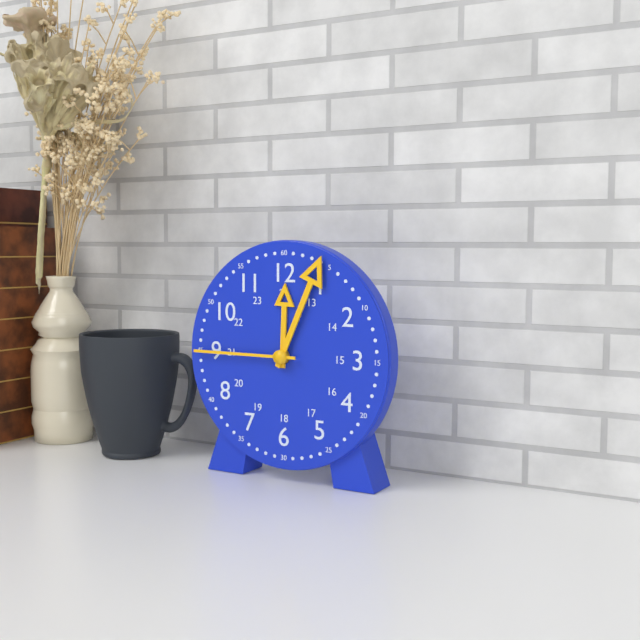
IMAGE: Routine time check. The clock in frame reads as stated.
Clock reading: 12:04:45
